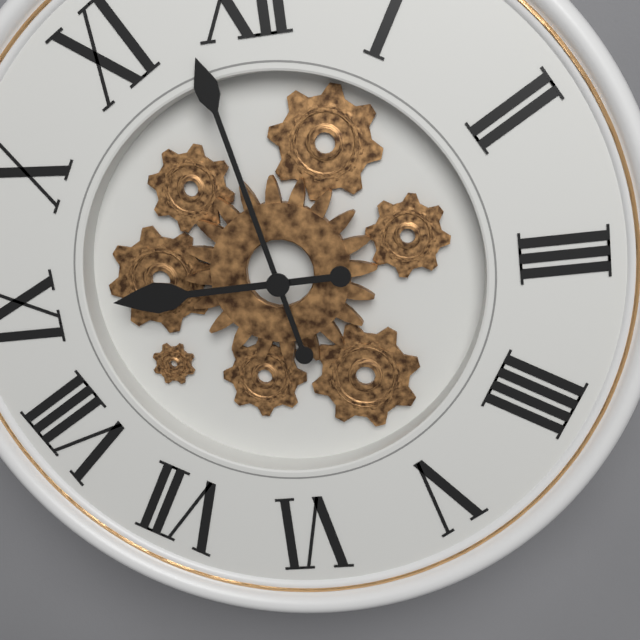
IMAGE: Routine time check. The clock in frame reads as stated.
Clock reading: 8:58
